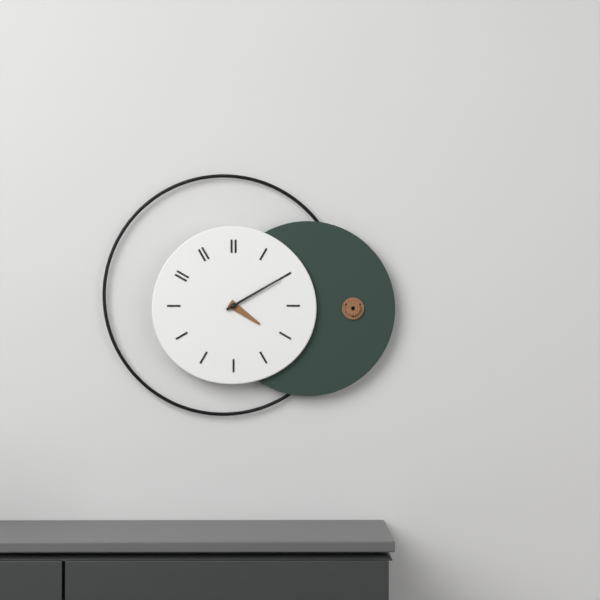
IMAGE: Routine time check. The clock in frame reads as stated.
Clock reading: 4:10
